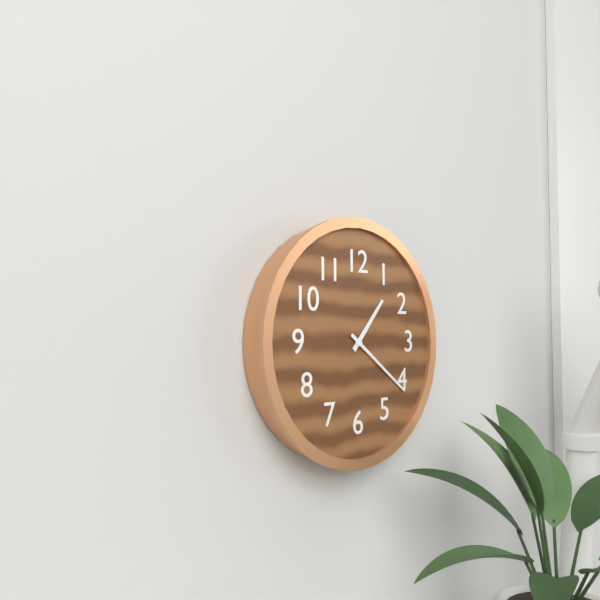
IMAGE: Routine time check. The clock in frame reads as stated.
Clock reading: 1:21
